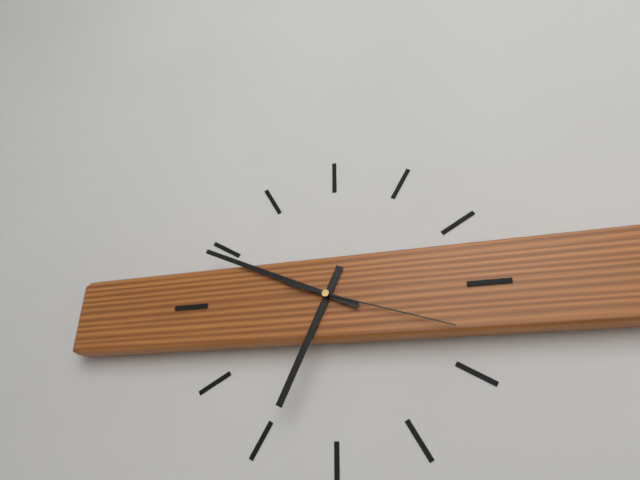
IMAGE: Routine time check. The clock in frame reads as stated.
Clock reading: 6:49:18
